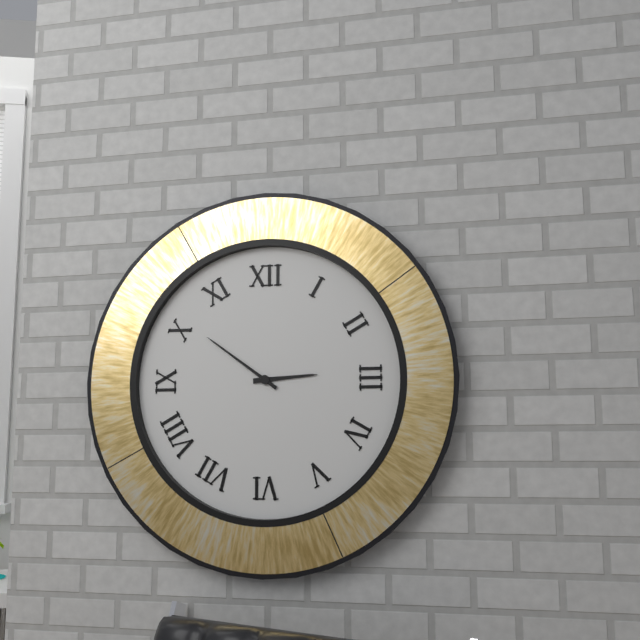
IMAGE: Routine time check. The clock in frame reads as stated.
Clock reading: 2:51
